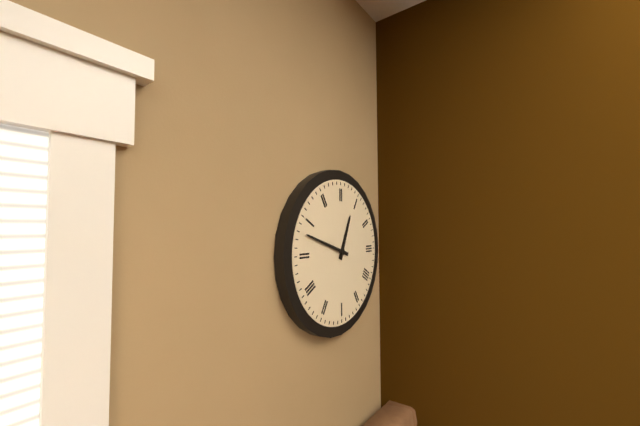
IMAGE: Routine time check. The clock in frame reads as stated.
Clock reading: 12:48
